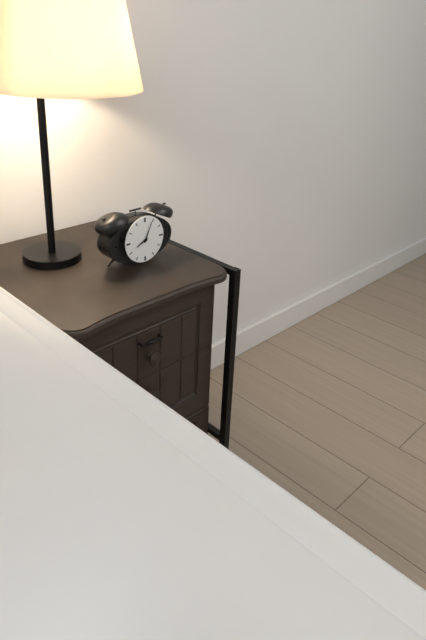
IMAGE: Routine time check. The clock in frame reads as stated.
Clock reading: 8:04
